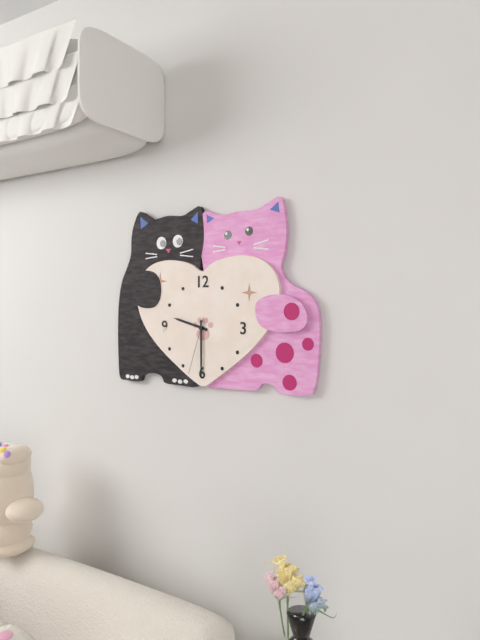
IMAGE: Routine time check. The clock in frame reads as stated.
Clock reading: 9:30:33
